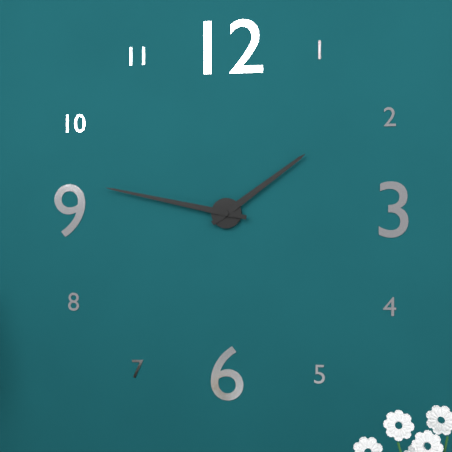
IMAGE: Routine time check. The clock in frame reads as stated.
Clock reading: 1:47
